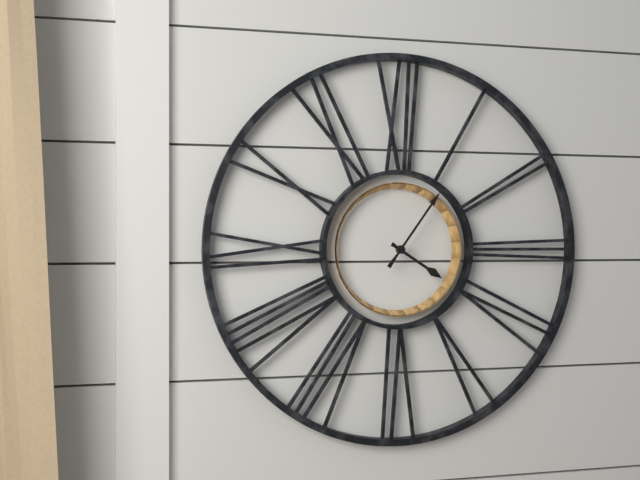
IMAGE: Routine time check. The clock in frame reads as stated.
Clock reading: 4:06
